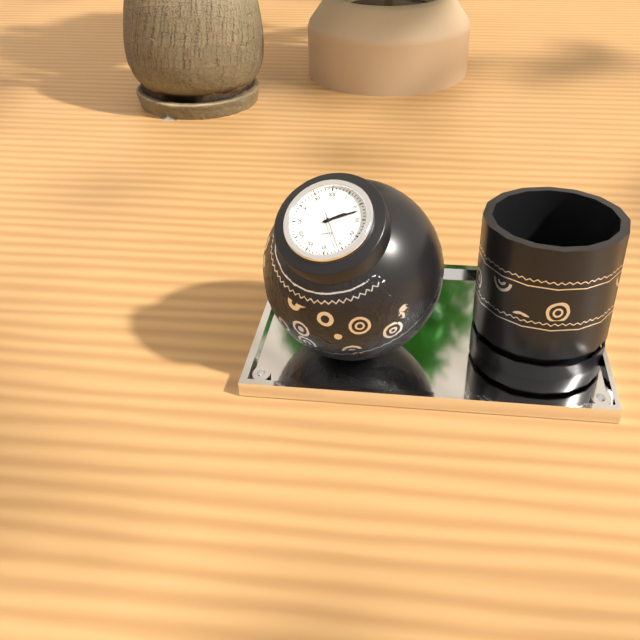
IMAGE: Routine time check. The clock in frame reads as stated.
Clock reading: 2:12
